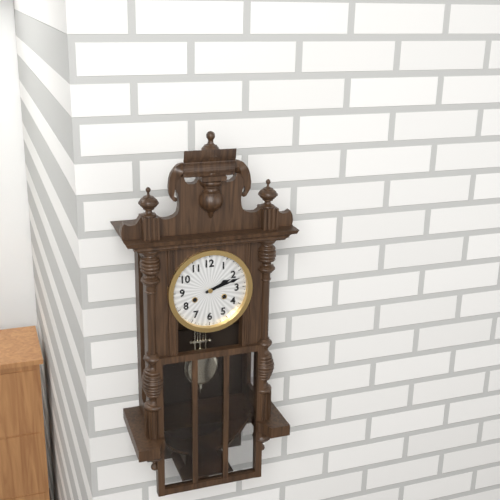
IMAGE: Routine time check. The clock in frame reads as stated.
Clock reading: 2:12
